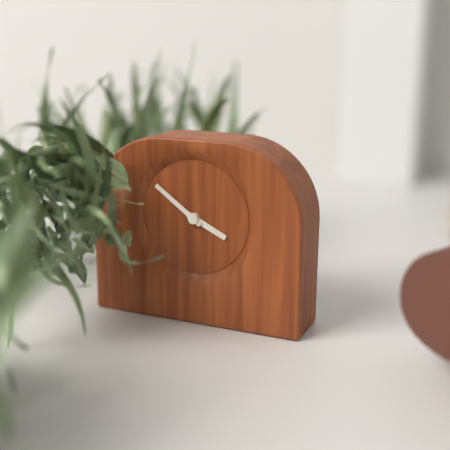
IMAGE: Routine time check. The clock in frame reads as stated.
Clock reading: 3:51
